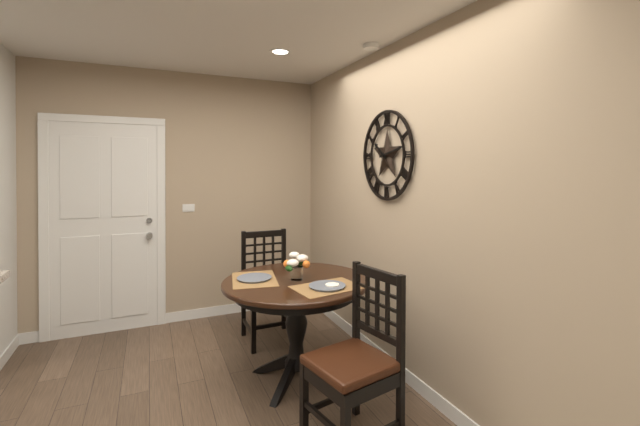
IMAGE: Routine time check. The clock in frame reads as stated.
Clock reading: 10:13
